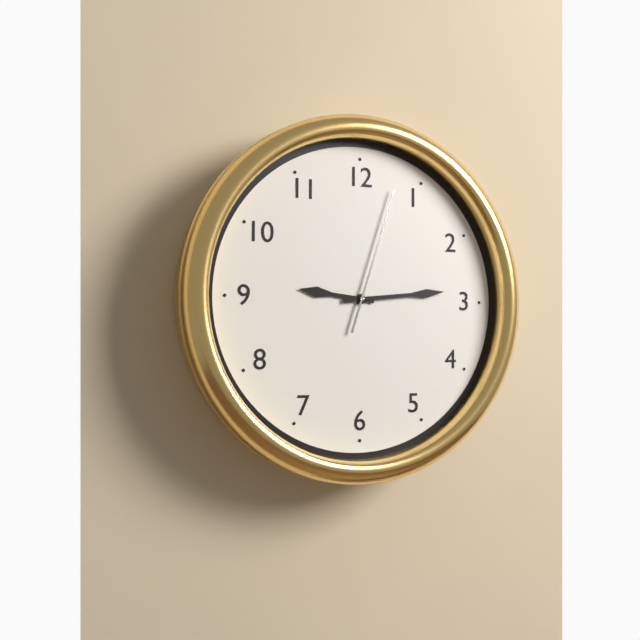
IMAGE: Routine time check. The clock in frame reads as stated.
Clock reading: 9:14:03
